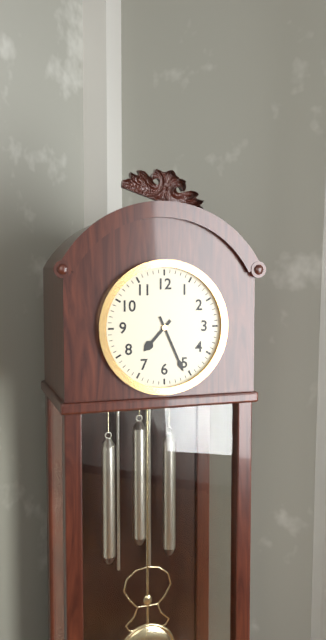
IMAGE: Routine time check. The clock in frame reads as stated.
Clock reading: 7:26
